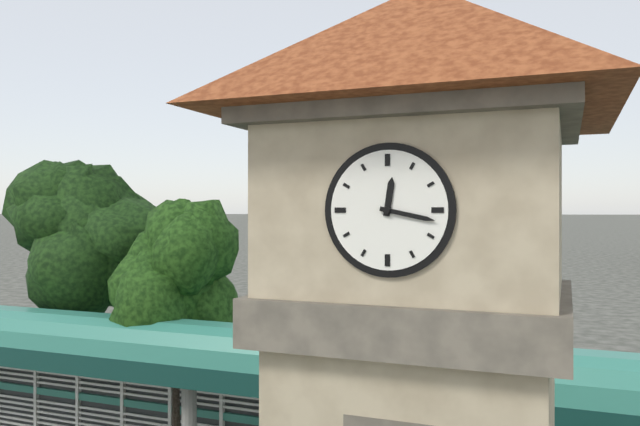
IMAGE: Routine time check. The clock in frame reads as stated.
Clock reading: 12:17
